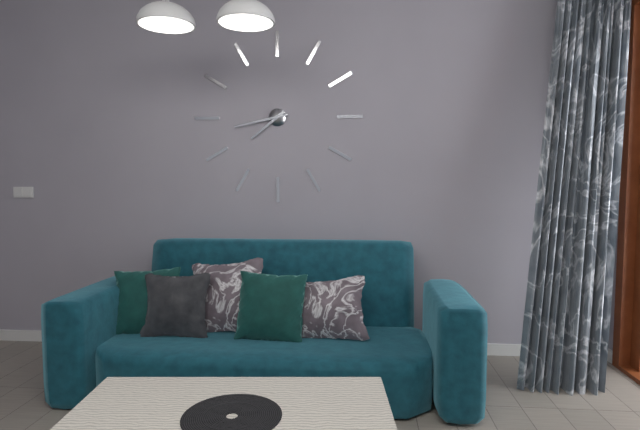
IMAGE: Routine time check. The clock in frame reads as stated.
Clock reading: 7:43
